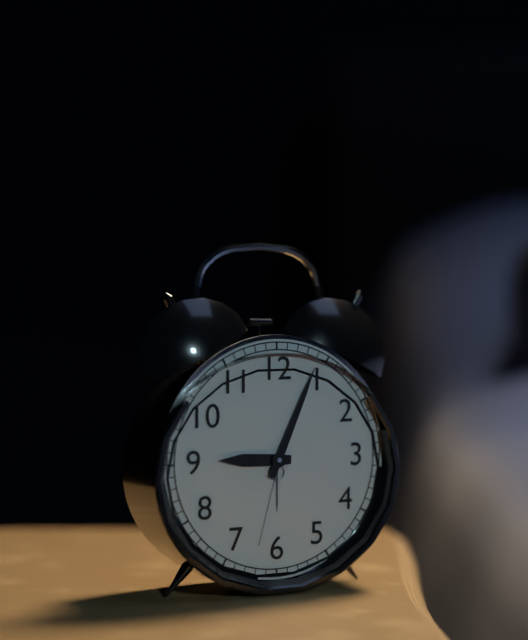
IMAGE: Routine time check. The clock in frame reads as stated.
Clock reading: 9:04
